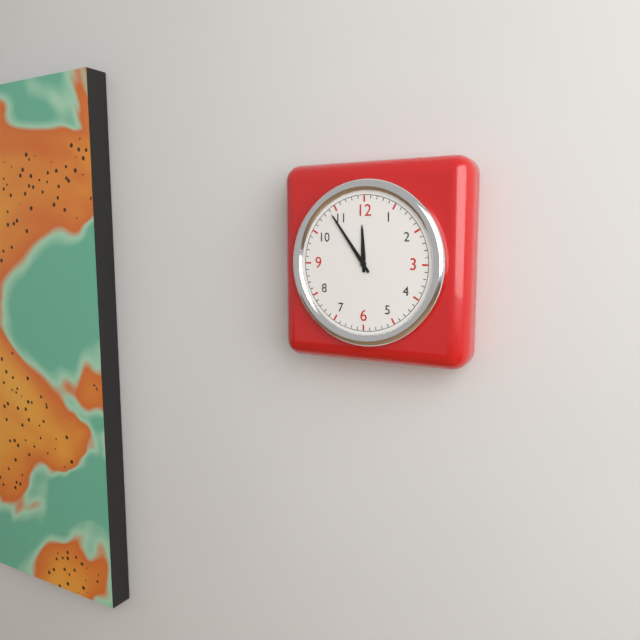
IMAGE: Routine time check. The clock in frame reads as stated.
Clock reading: 11:54
